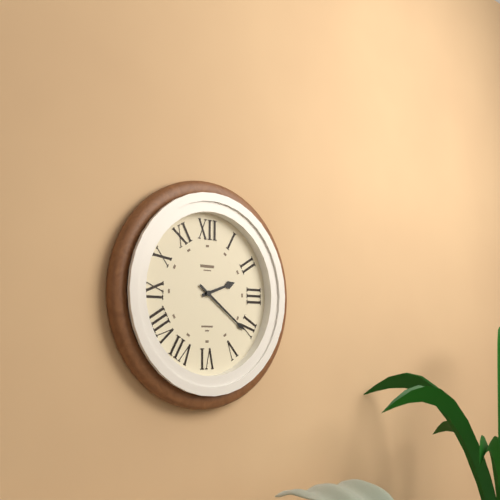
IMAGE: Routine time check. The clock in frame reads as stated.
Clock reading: 2:21
